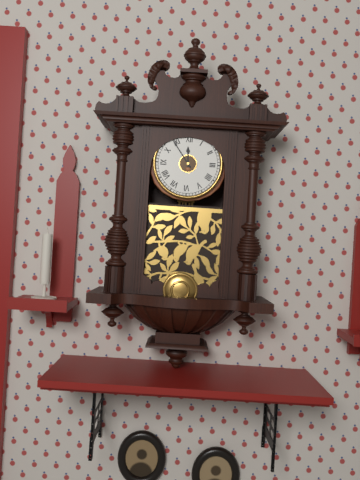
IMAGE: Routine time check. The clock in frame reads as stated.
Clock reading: 11:54
